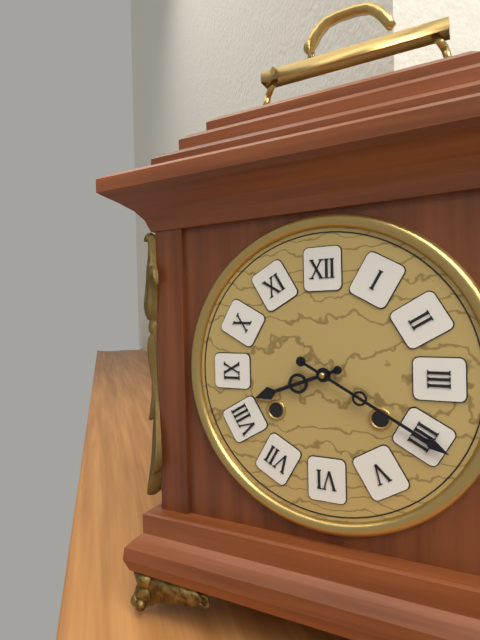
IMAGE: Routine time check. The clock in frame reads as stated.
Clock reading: 8:20
